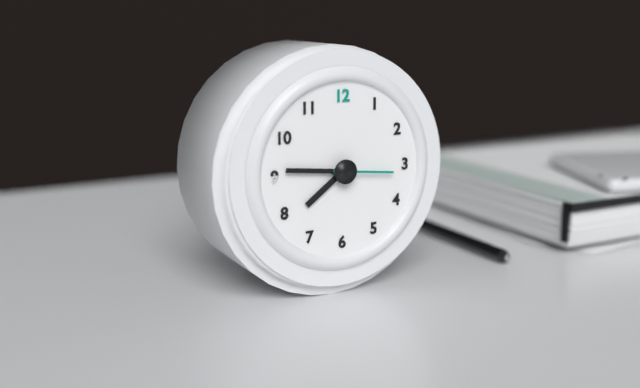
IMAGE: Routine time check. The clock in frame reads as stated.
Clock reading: 7:46:16
